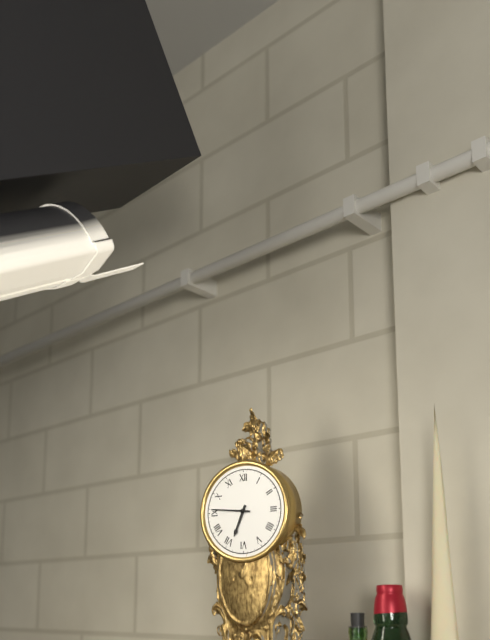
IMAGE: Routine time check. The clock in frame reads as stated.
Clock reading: 6:46
